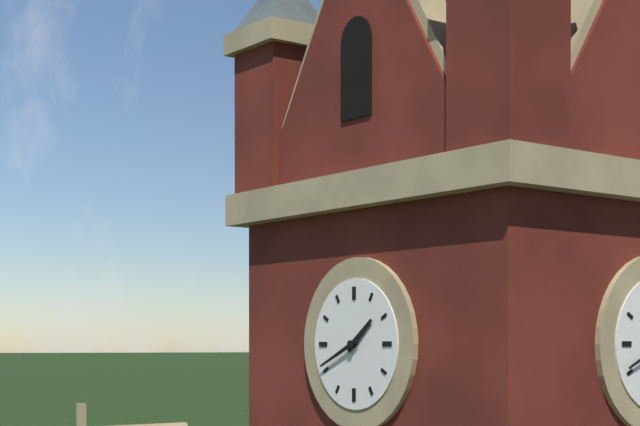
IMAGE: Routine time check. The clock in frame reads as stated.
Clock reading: 1:41
